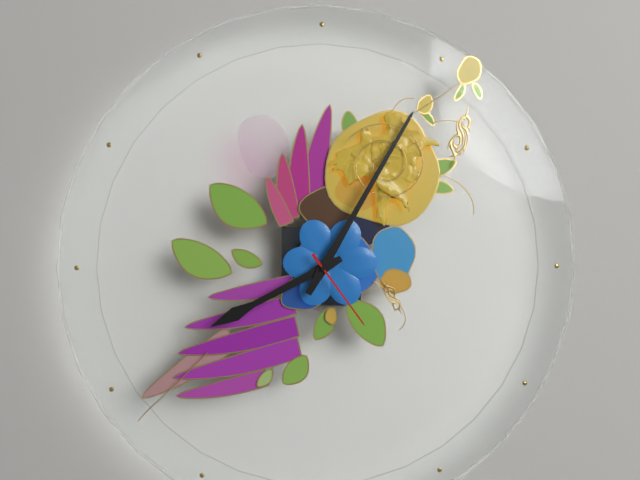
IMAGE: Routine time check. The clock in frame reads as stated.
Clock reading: 8:05:24
